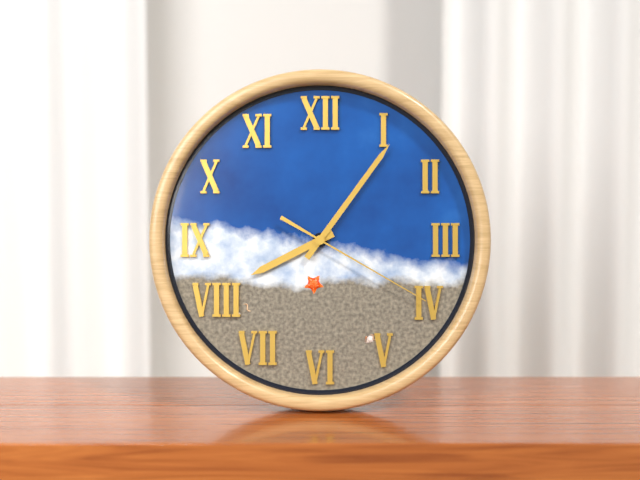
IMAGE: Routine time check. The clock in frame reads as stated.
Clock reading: 8:06:20
